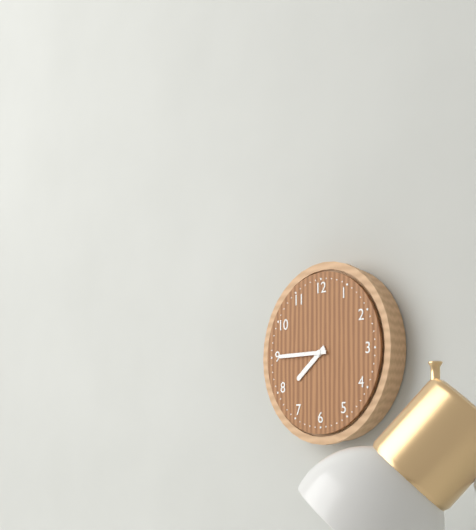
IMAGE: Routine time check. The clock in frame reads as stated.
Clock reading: 7:45
